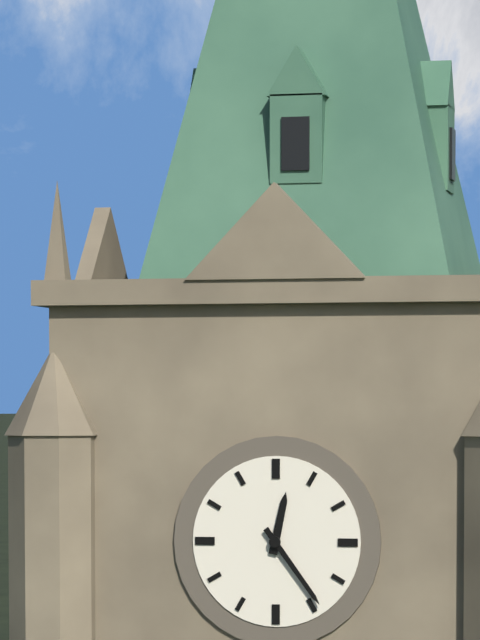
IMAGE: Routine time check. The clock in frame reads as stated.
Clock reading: 12:24
